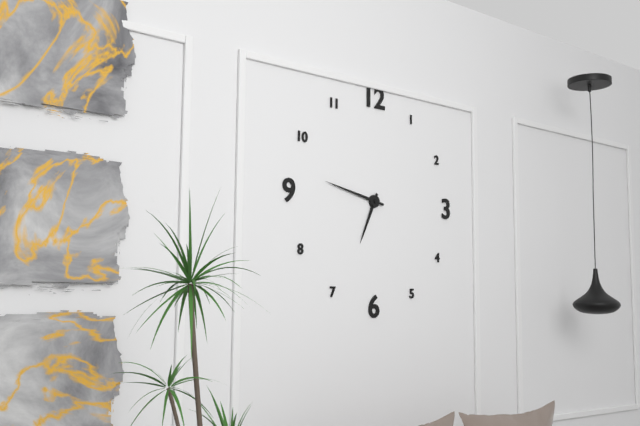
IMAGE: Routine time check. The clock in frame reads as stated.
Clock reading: 6:47
